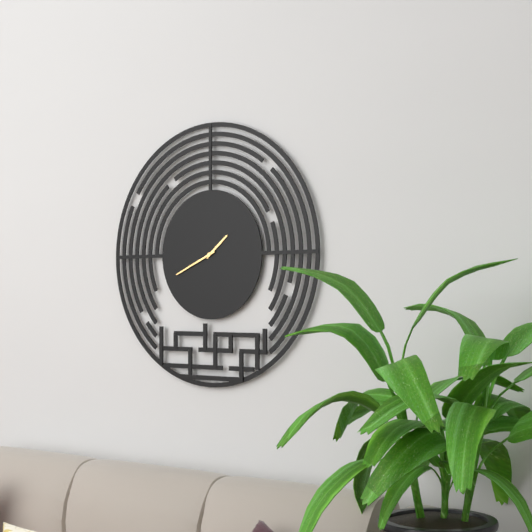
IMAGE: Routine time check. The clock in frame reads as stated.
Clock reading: 1:41
